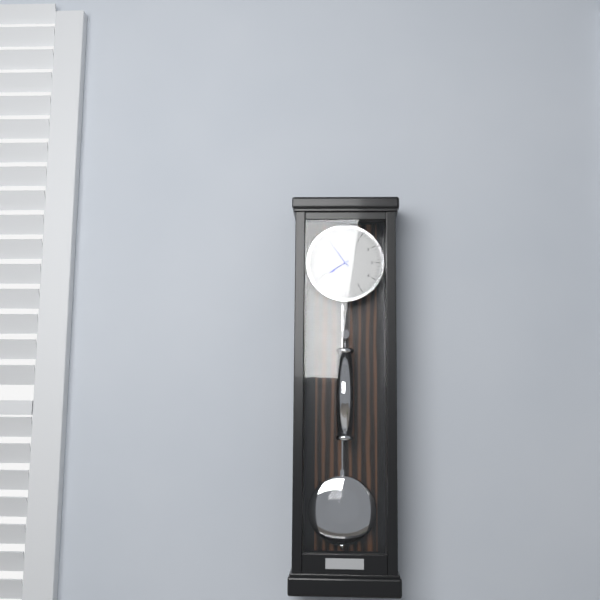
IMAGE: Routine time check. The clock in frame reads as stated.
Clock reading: 7:54
